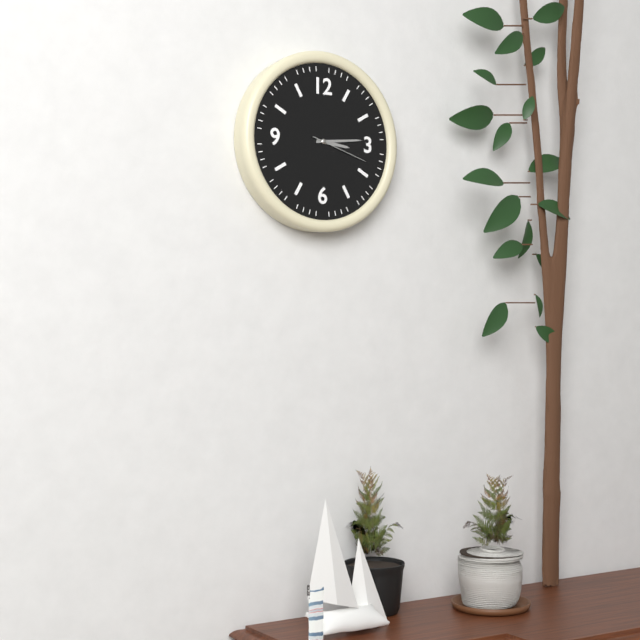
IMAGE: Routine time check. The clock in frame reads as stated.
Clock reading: 3:14:18
